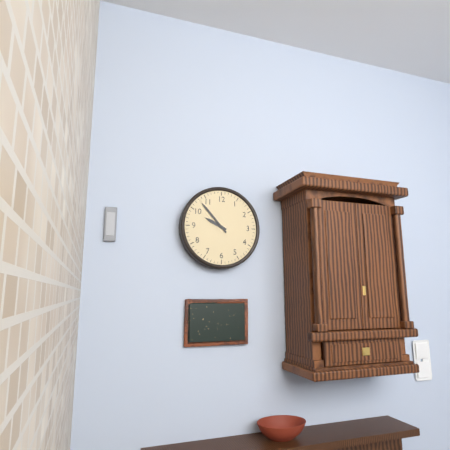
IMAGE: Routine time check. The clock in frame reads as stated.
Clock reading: 9:53
